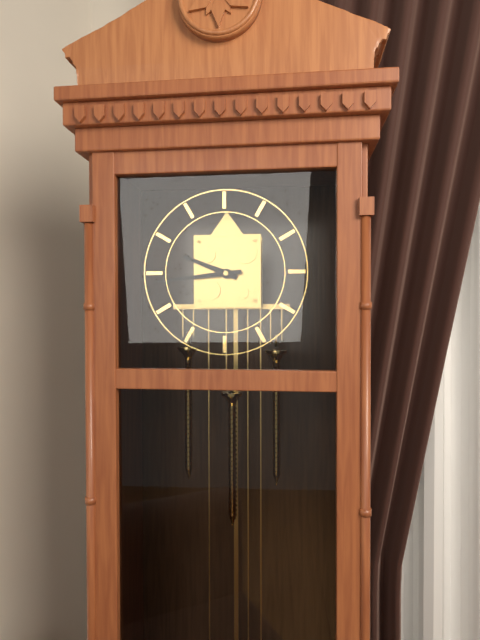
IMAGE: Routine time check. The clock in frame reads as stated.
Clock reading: 9:44
